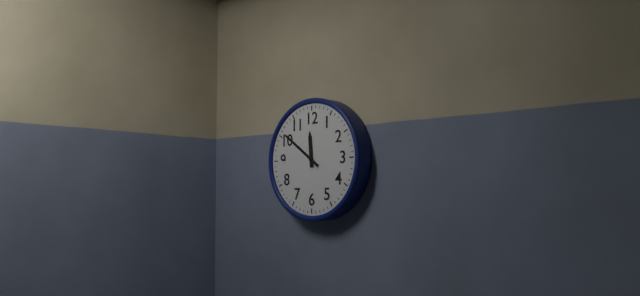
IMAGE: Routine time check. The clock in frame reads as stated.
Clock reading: 11:51
